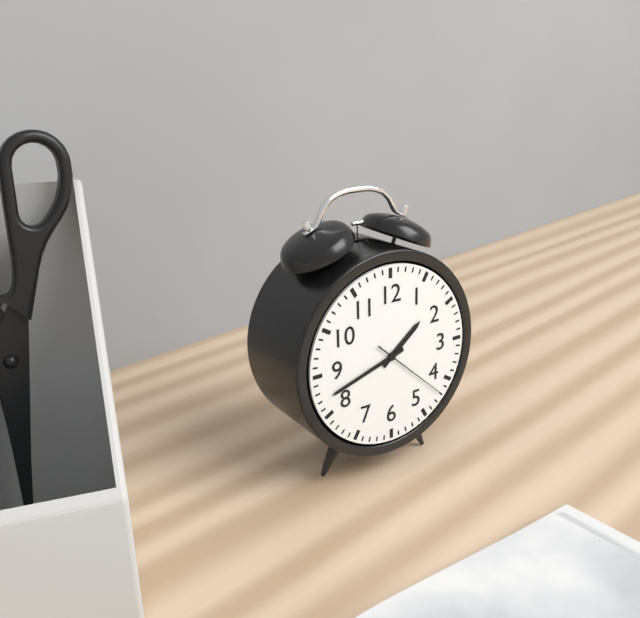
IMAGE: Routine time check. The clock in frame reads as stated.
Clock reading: 1:42:22
